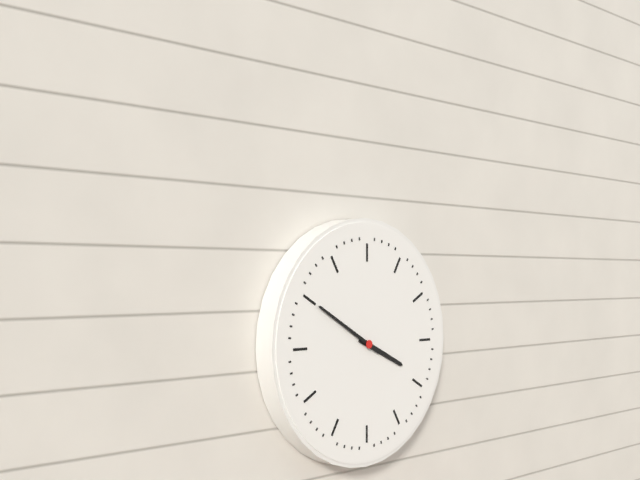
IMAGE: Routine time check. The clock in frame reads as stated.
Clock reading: 3:50
